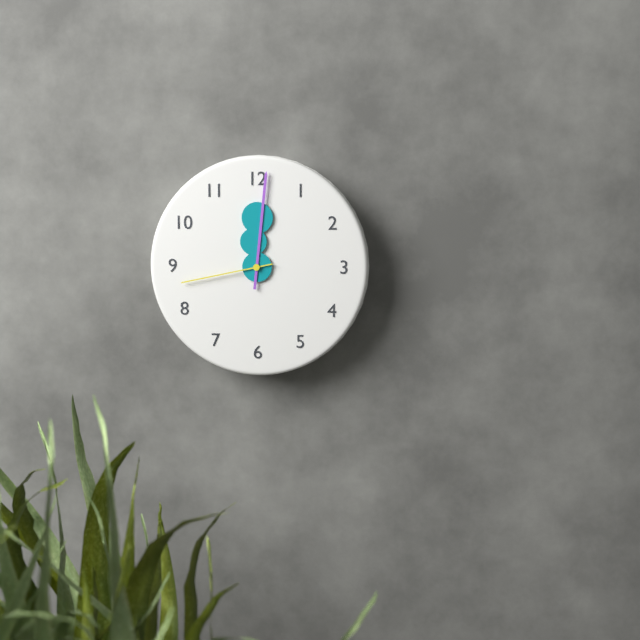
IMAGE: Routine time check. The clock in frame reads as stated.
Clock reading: 12:01:43
